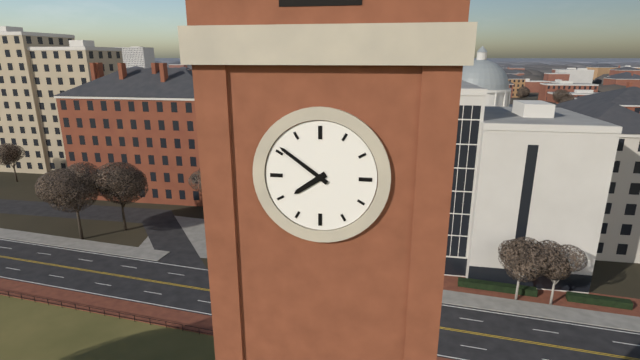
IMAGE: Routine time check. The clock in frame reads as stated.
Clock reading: 7:51
